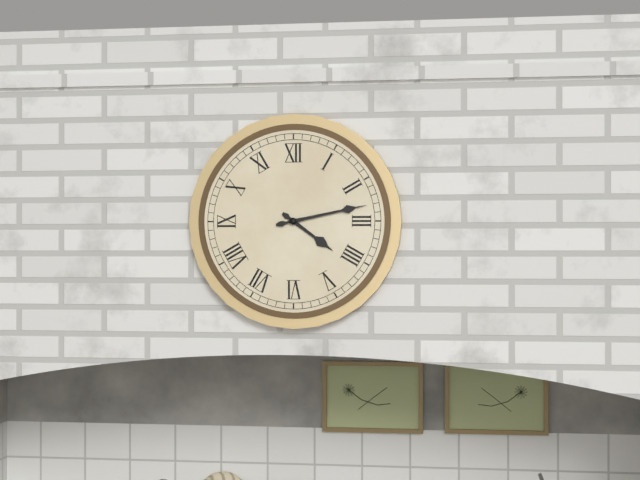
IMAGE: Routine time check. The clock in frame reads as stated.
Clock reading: 4:13
